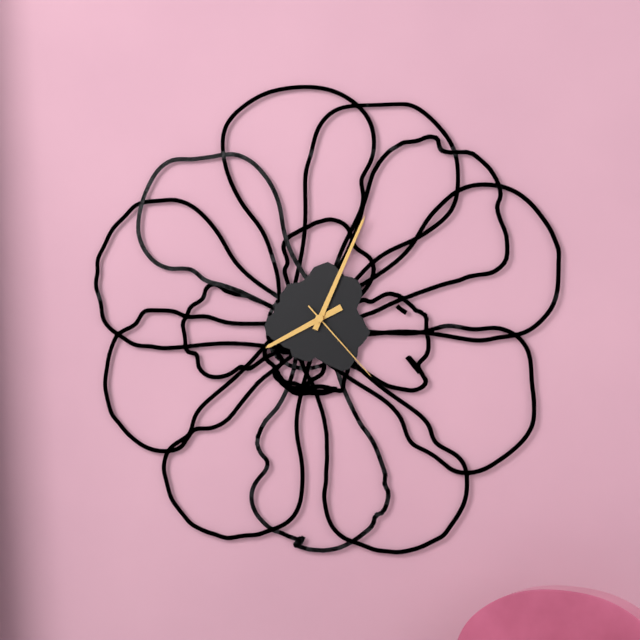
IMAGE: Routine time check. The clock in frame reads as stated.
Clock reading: 8:04:23
